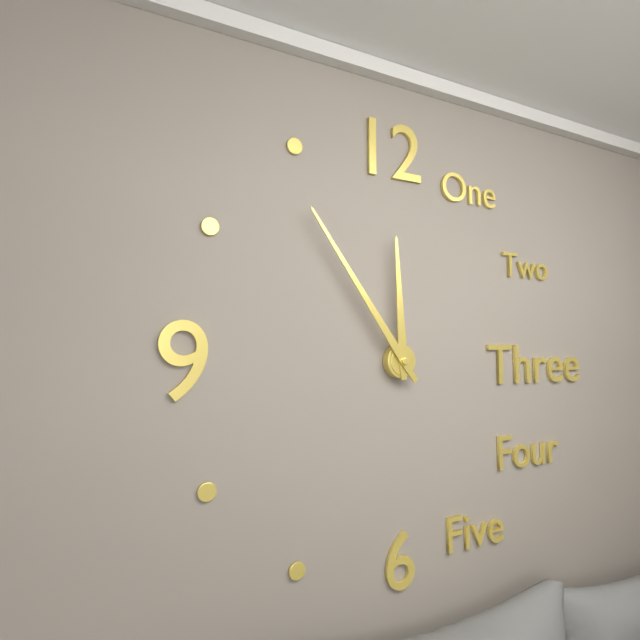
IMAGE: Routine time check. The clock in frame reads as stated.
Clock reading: 11:54
